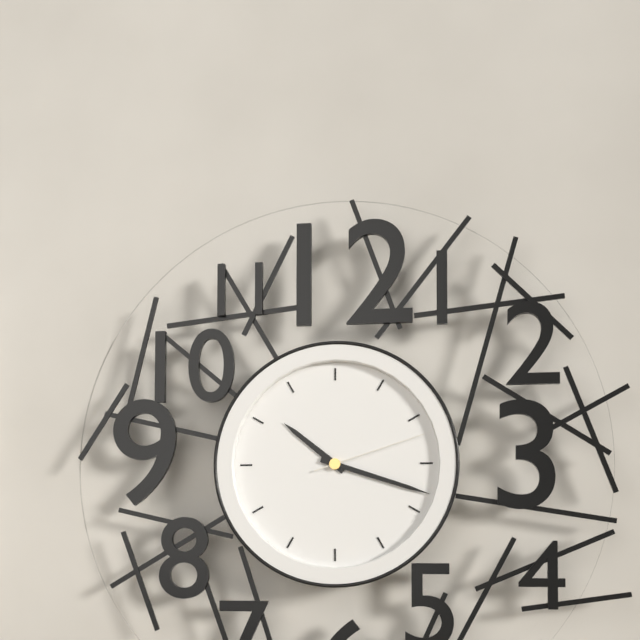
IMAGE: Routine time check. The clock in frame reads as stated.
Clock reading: 10:18:12
